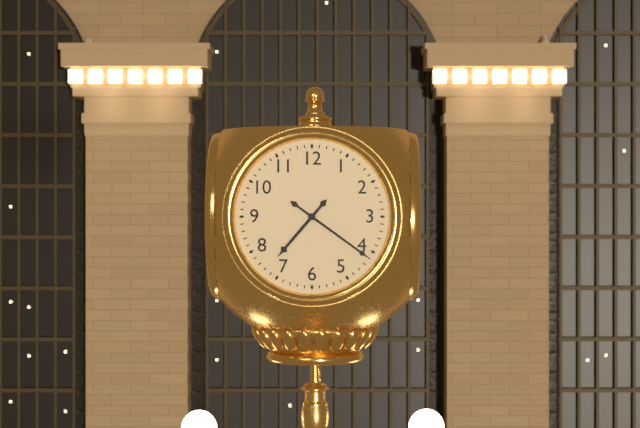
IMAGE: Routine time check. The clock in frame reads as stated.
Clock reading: 7:21
